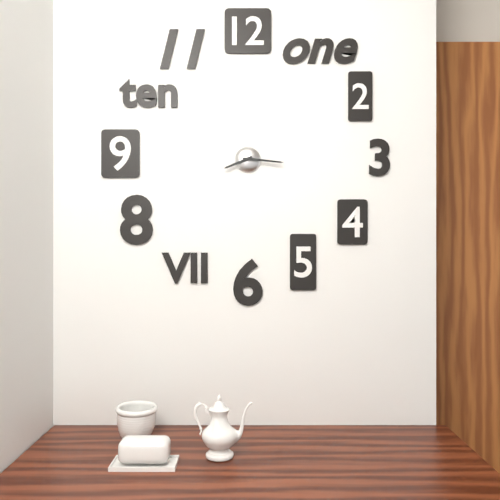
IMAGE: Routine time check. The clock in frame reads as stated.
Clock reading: 8:16
